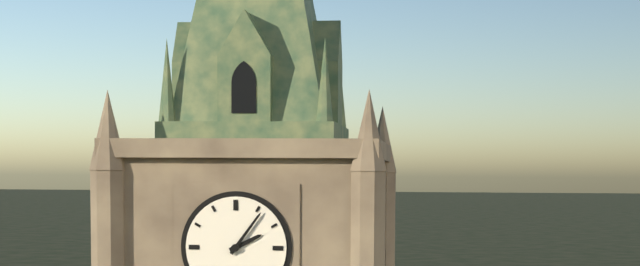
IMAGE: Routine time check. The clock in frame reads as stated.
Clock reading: 2:06
